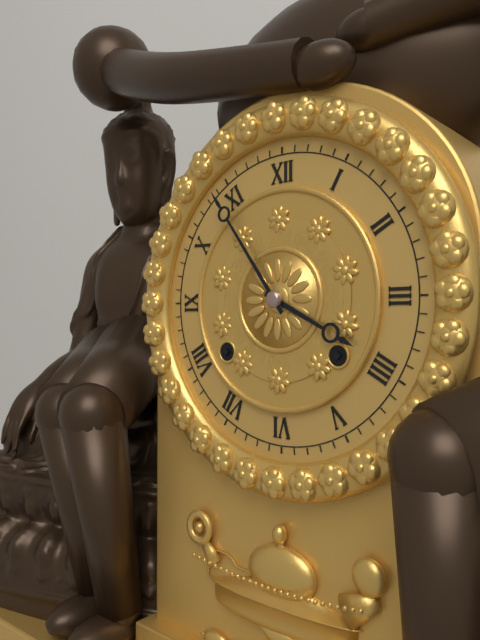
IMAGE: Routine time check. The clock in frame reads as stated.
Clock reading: 3:54
